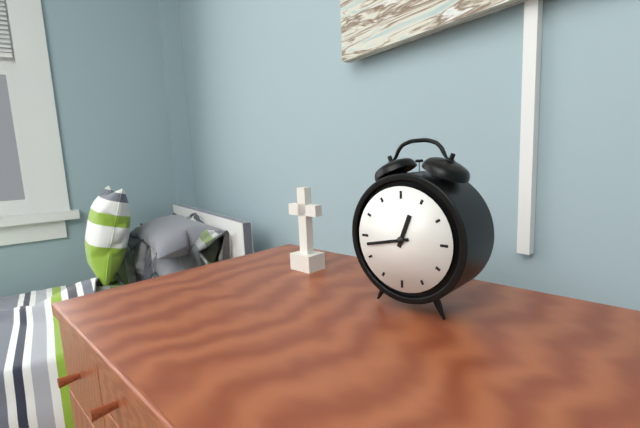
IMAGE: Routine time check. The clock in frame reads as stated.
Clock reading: 12:43
